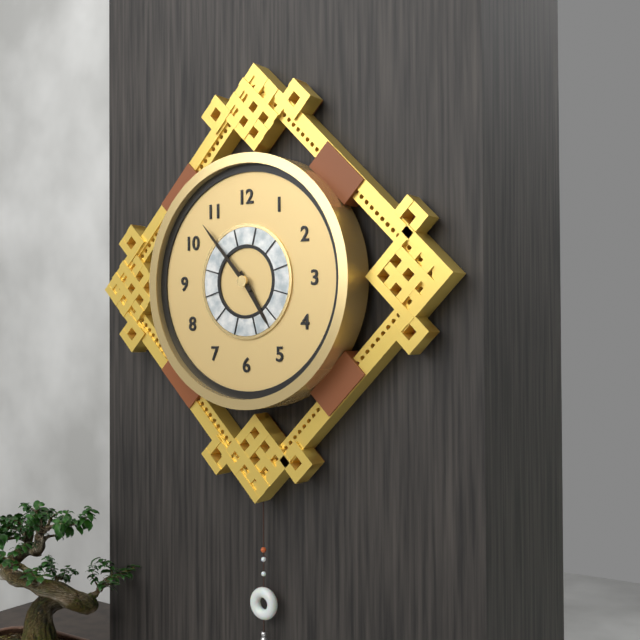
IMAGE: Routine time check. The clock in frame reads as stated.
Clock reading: 4:53
